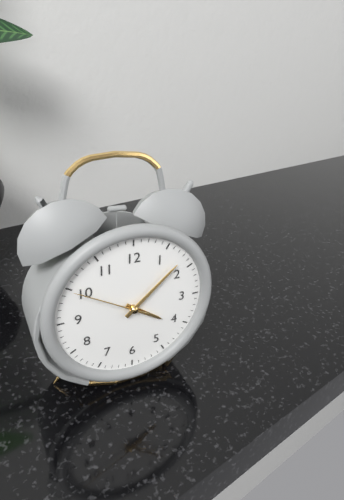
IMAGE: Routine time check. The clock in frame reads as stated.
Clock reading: 4:08:50
